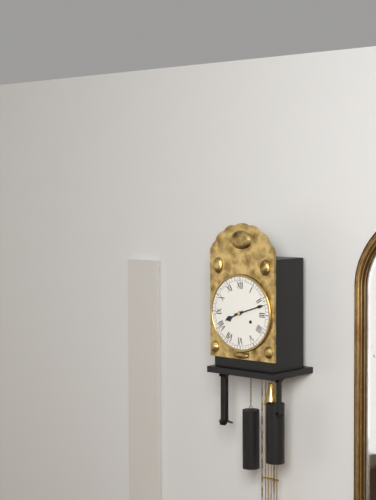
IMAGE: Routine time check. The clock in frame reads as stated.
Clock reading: 8:12
